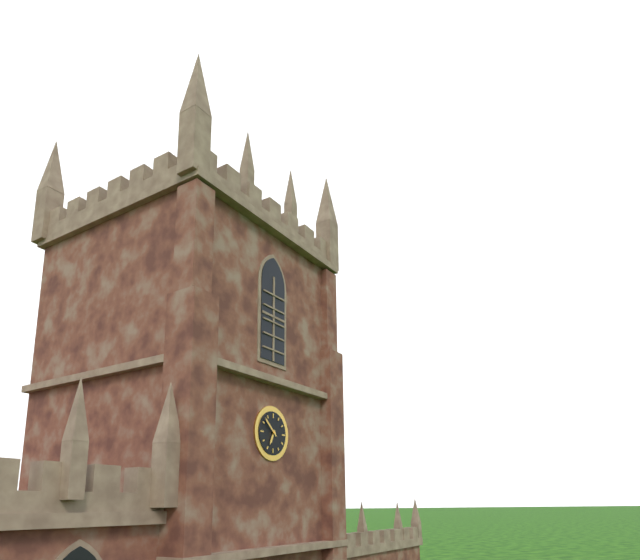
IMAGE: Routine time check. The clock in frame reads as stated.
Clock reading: 6:52
